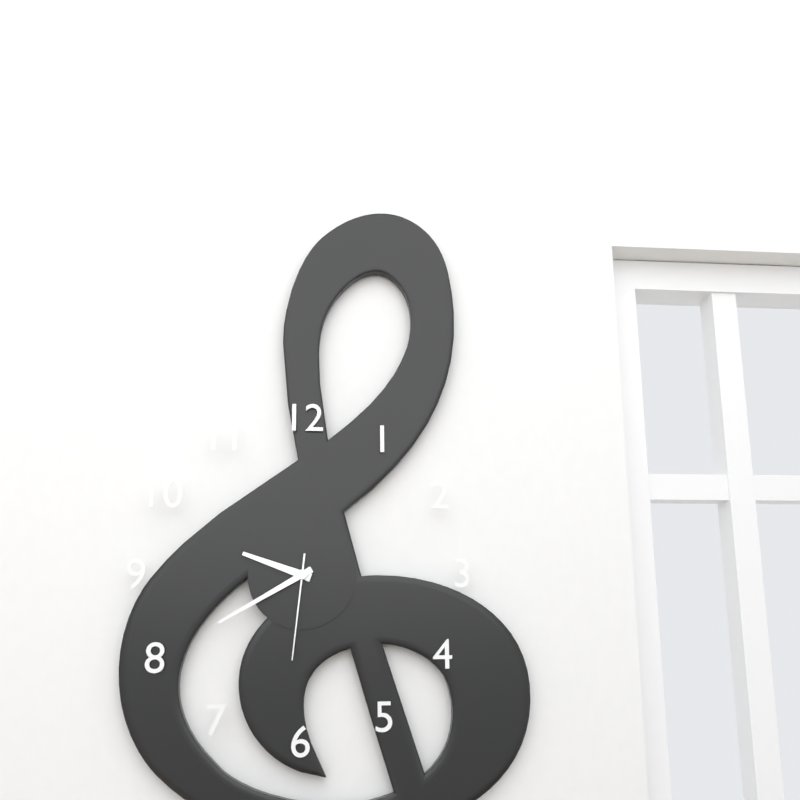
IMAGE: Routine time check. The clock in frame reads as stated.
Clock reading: 9:40:31
